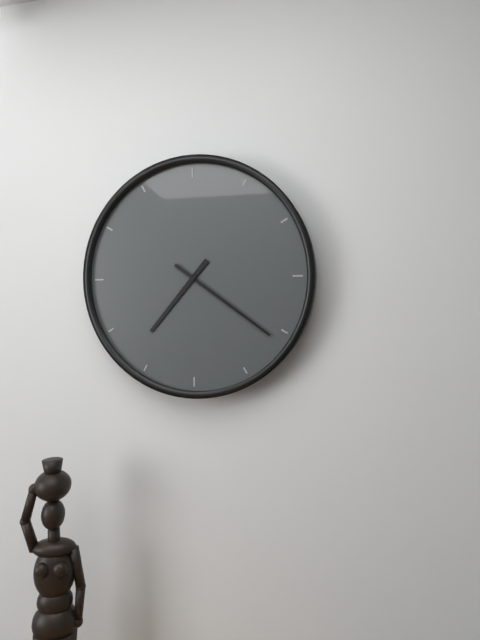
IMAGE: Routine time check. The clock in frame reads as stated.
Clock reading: 7:21
